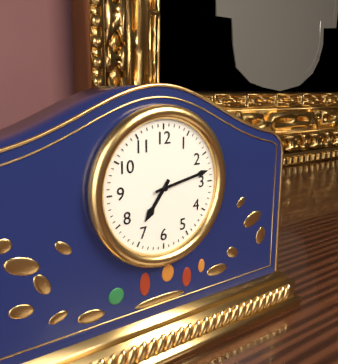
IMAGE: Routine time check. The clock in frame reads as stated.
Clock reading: 7:13
